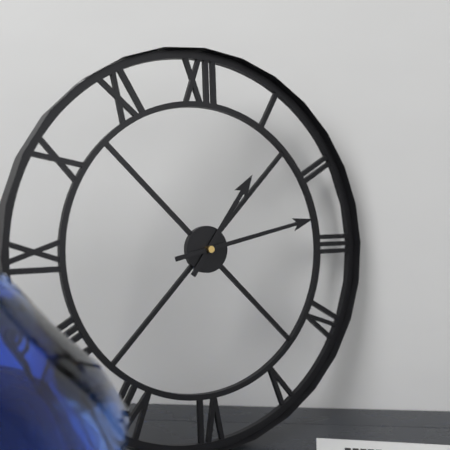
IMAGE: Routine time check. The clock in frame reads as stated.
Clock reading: 1:13
